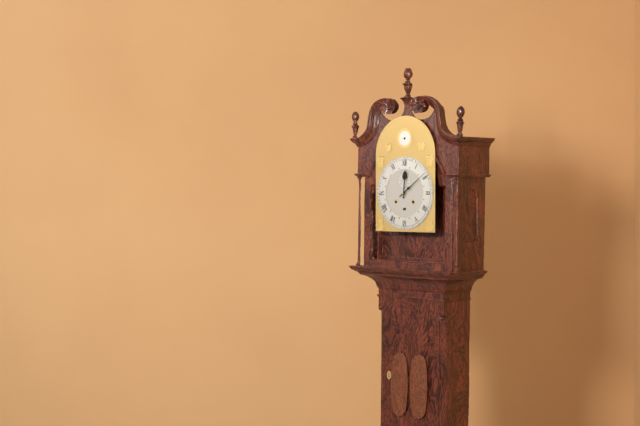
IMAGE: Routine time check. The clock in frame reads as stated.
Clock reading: 12:09
